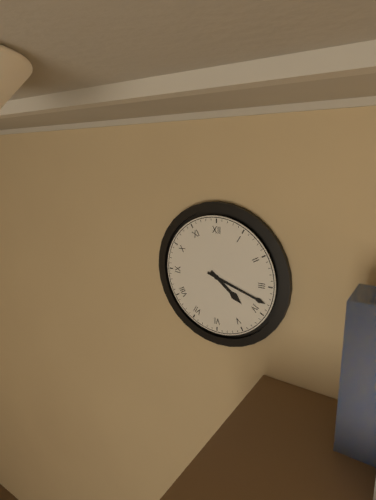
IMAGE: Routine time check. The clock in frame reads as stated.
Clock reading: 4:18
